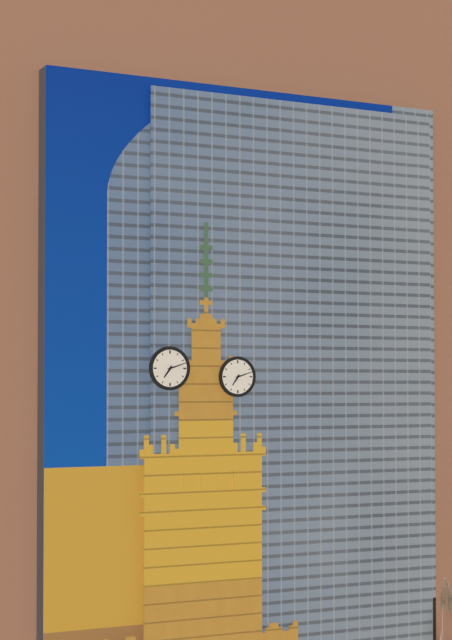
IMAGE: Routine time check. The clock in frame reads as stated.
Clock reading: 7:12
